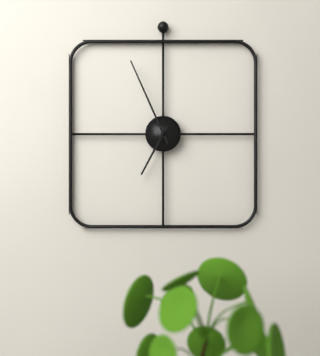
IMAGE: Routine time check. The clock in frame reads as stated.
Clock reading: 6:56
